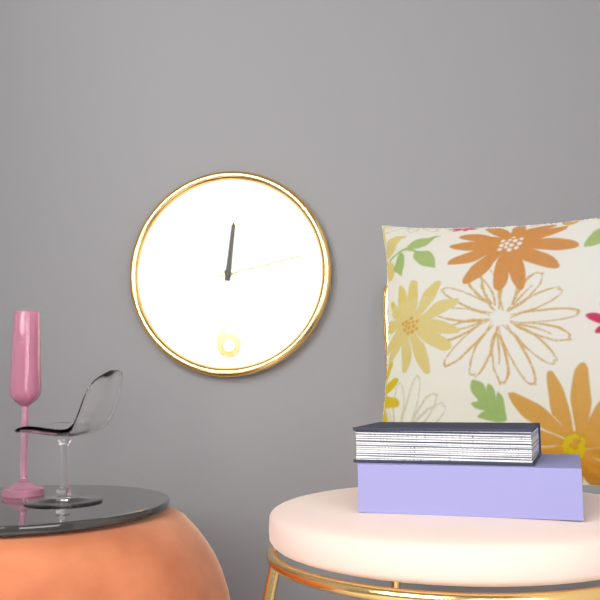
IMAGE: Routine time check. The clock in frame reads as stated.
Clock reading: 12:13
